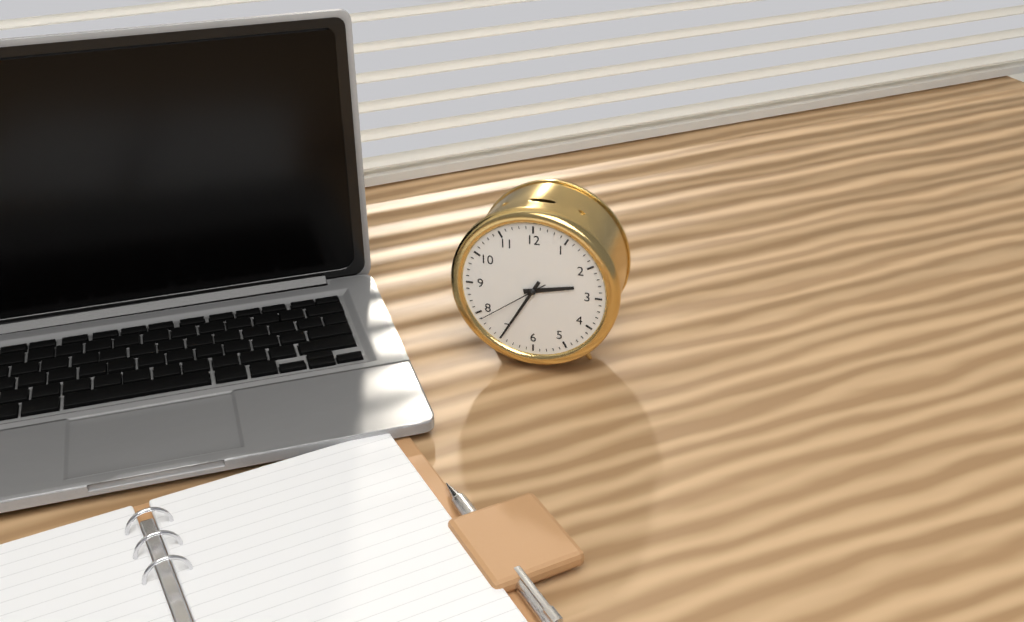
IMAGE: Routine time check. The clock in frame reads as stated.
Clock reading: 2:35:39
